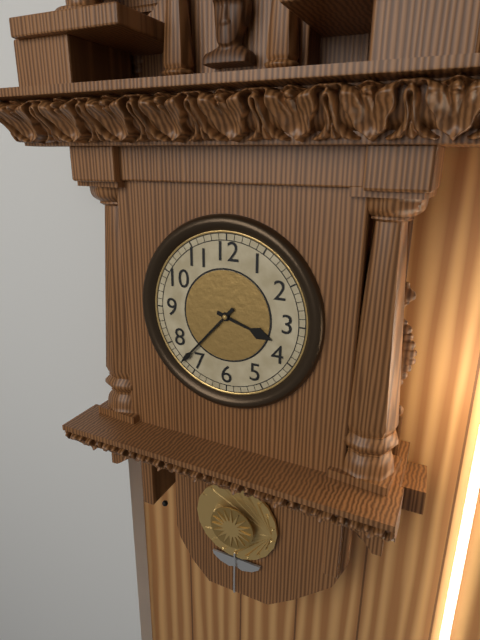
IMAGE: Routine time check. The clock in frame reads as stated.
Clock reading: 3:37
